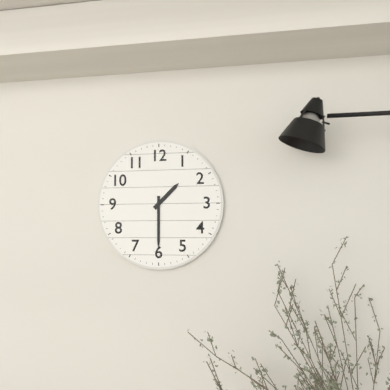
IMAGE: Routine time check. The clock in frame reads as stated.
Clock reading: 1:30
